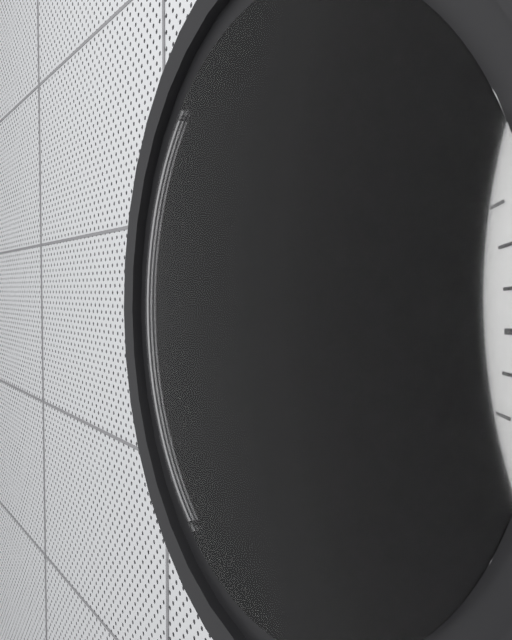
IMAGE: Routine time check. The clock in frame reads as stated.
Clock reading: 9:01
